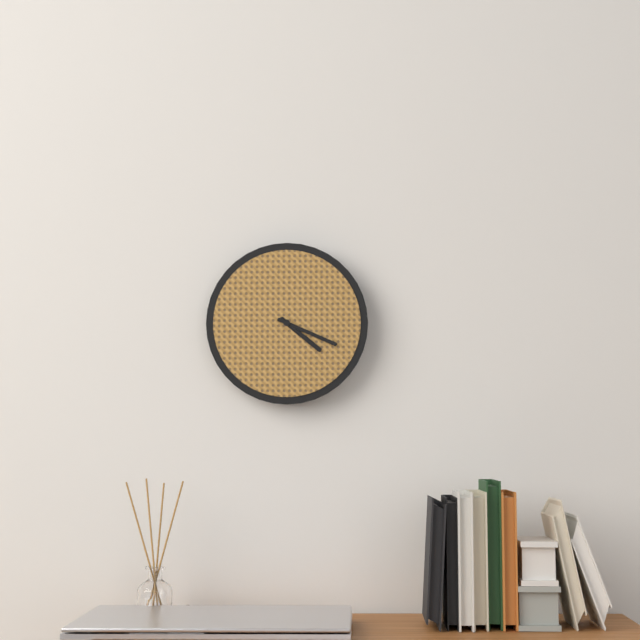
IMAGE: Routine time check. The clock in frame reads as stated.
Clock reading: 4:19
